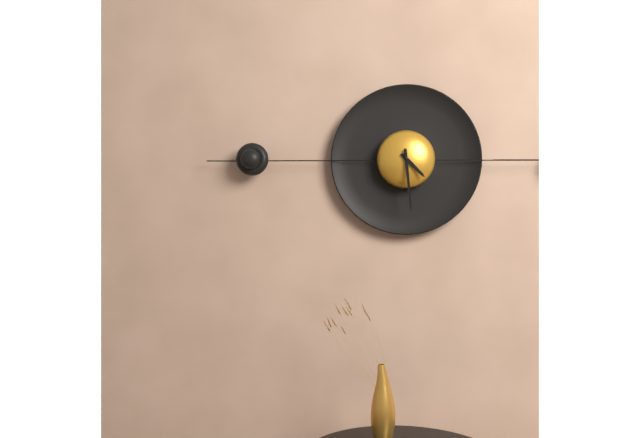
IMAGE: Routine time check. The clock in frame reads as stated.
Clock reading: 4:29
